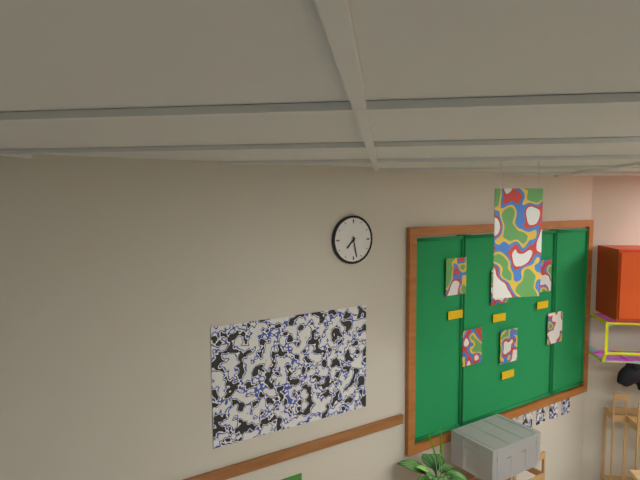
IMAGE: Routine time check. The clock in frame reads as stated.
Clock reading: 7:28
